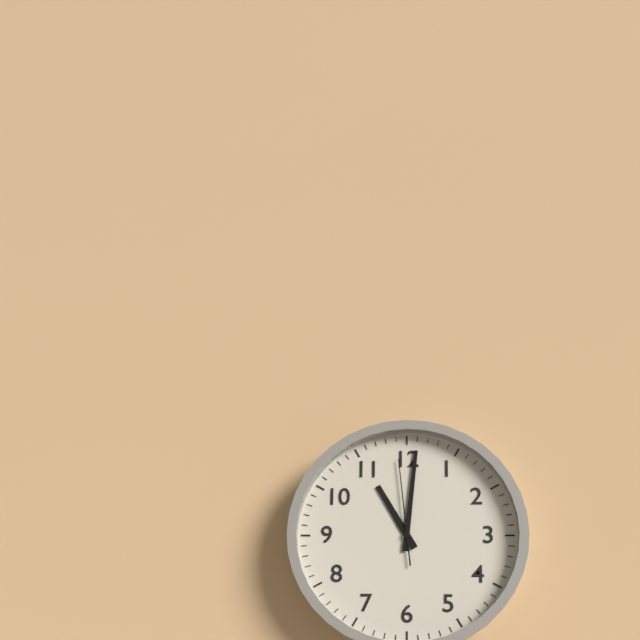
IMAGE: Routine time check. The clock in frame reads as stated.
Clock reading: 11:01:59
